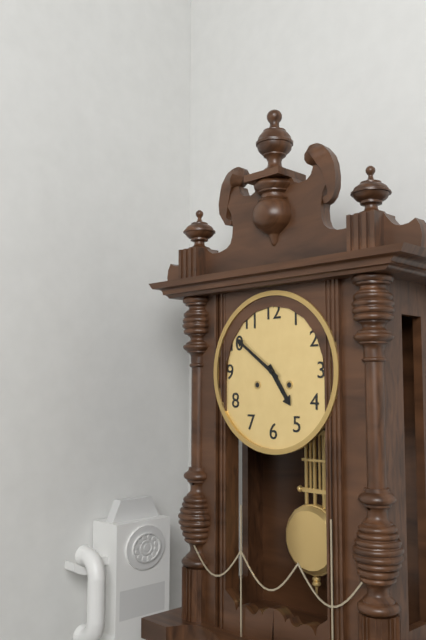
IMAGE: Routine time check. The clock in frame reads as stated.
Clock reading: 4:51
